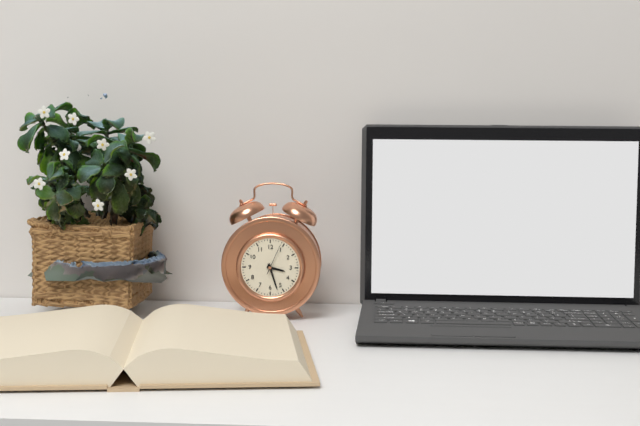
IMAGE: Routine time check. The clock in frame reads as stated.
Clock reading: 3:27
